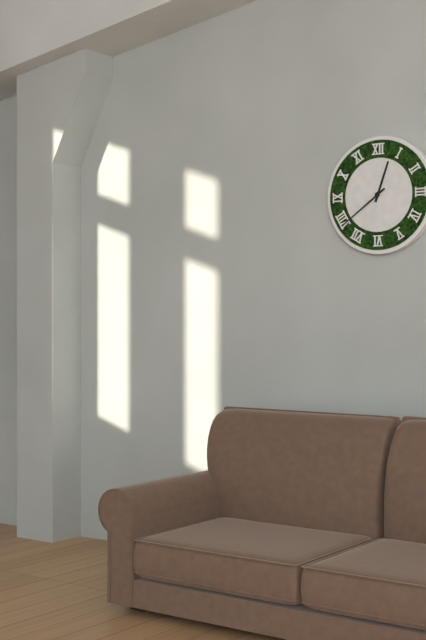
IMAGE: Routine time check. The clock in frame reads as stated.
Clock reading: 12:39
